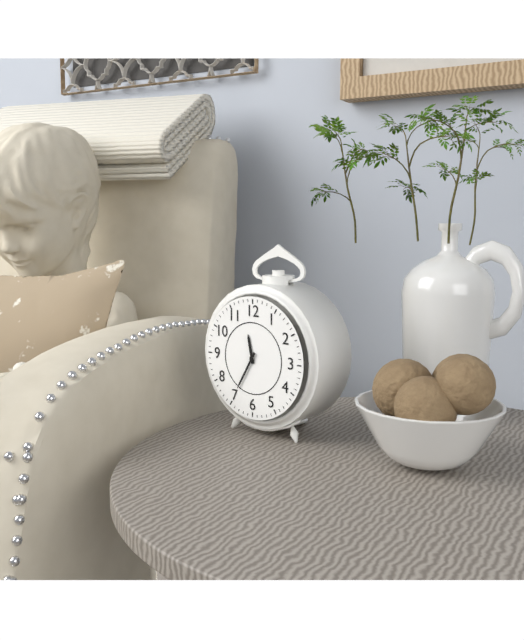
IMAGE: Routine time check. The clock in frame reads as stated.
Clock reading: 11:35
